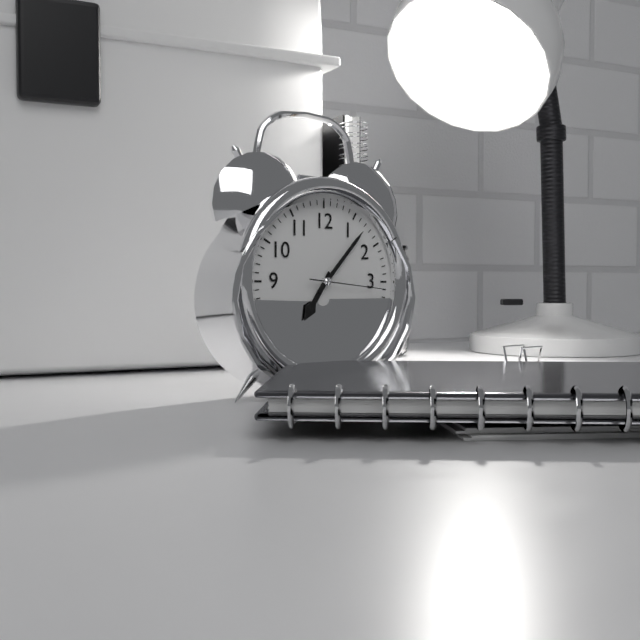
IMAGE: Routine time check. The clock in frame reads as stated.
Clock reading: 7:07:16
